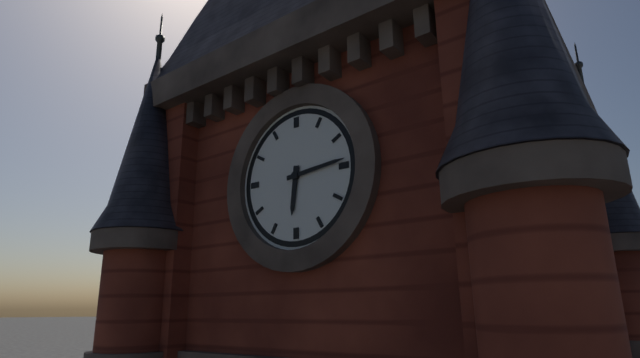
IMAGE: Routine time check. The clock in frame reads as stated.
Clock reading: 6:14
